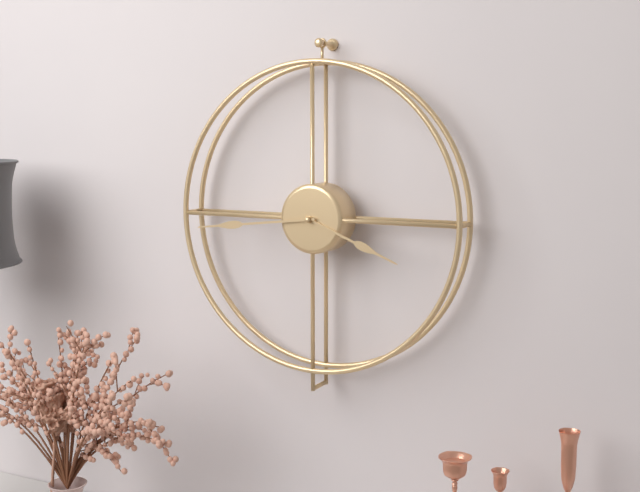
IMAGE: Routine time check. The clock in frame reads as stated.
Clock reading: 3:44
